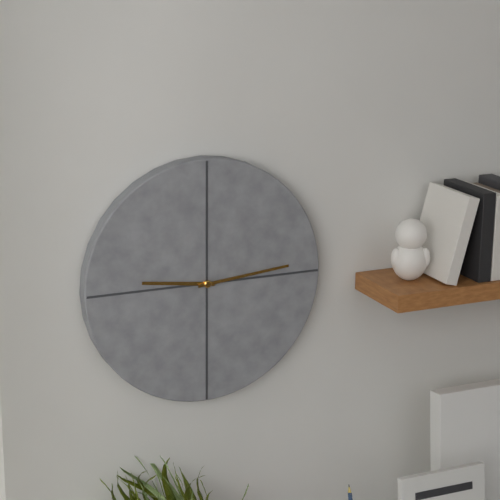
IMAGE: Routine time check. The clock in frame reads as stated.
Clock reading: 9:14
